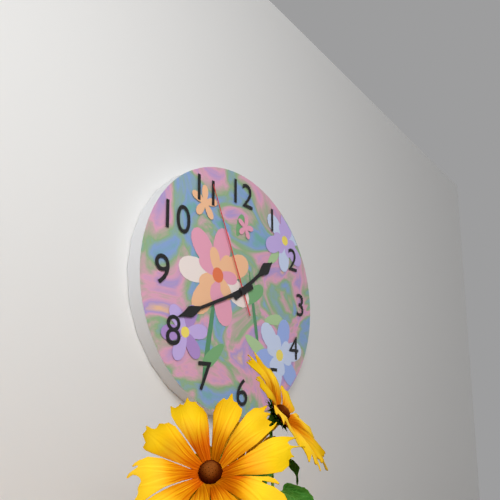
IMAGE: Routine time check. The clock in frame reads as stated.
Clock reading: 1:41:56
